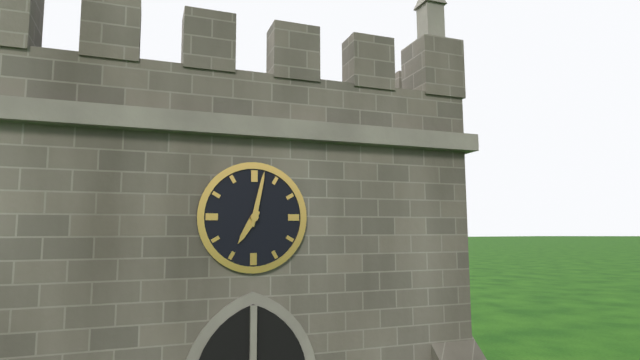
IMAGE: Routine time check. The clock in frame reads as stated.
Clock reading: 7:02
